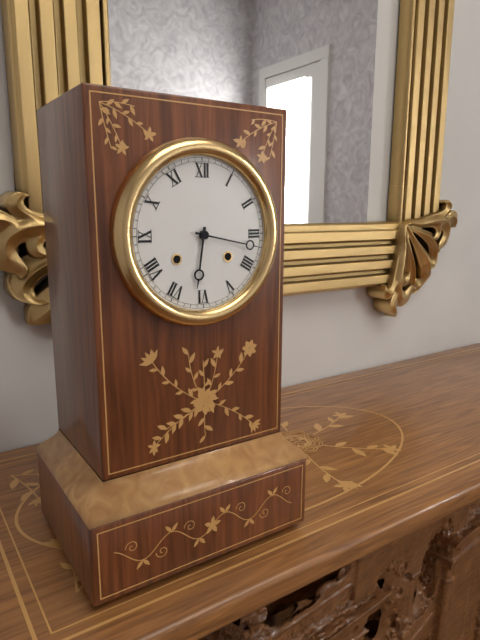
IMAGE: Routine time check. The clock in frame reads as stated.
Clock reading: 6:17
